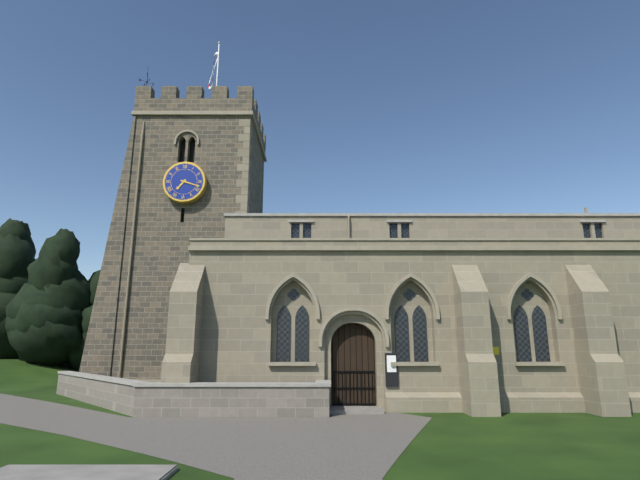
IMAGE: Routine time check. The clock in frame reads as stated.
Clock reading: 7:18
